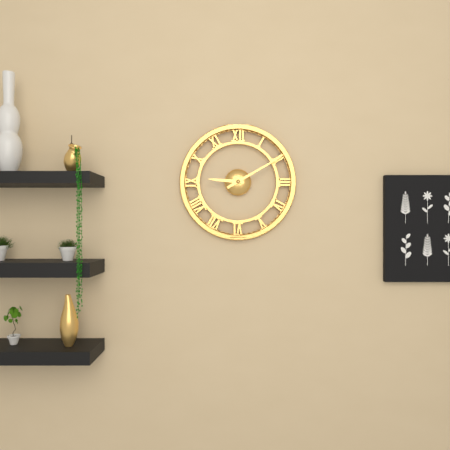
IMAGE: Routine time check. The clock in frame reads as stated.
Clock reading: 9:10
